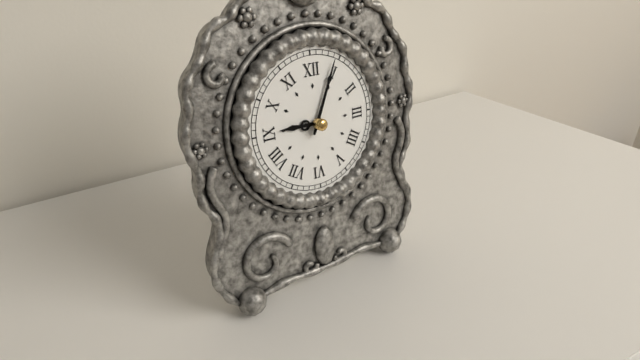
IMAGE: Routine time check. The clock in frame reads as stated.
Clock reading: 9:04
